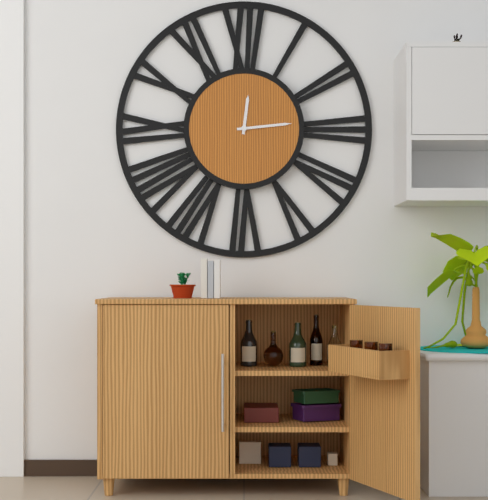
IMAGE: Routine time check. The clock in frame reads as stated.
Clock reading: 12:14
